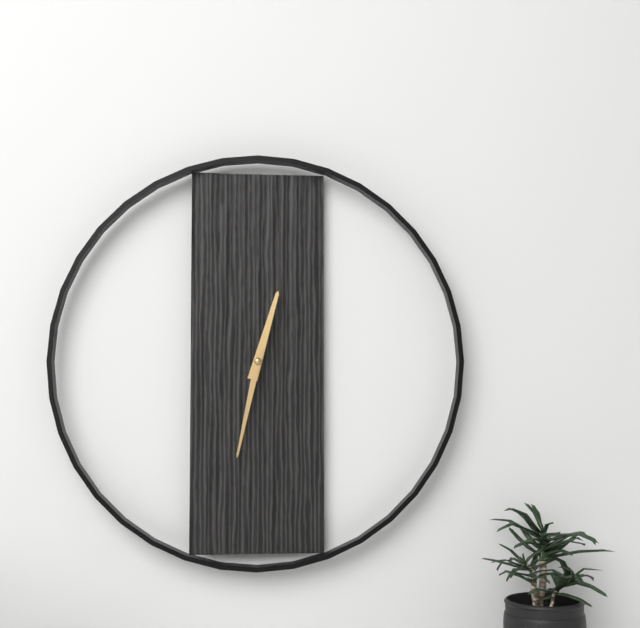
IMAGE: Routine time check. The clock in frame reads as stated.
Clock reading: 12:32
